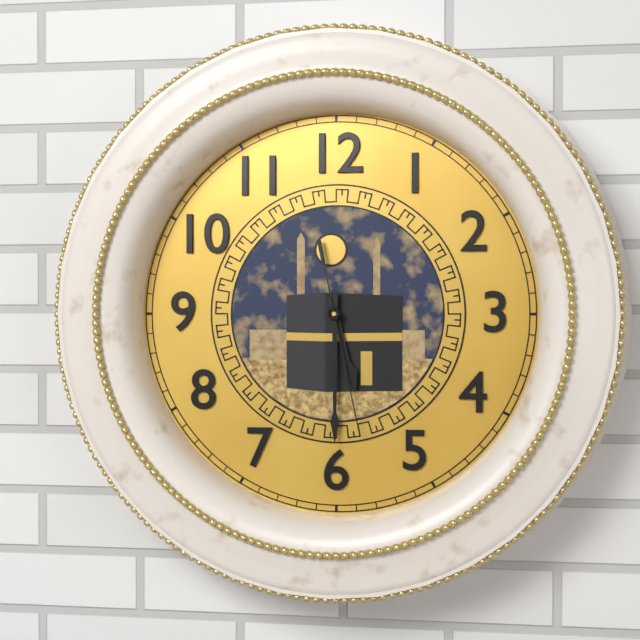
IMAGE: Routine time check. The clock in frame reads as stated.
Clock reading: 5:30:28
